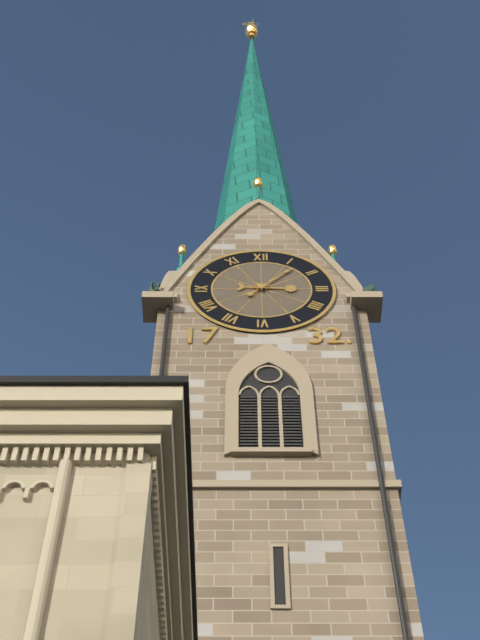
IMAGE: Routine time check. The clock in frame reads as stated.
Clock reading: 3:07
